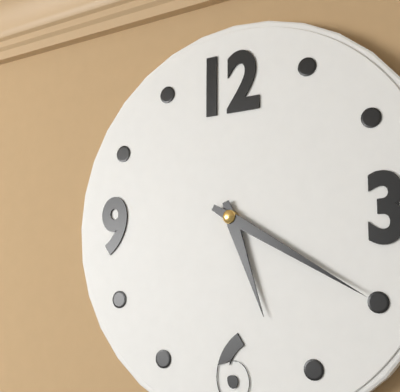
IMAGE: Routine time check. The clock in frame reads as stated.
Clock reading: 5:20
